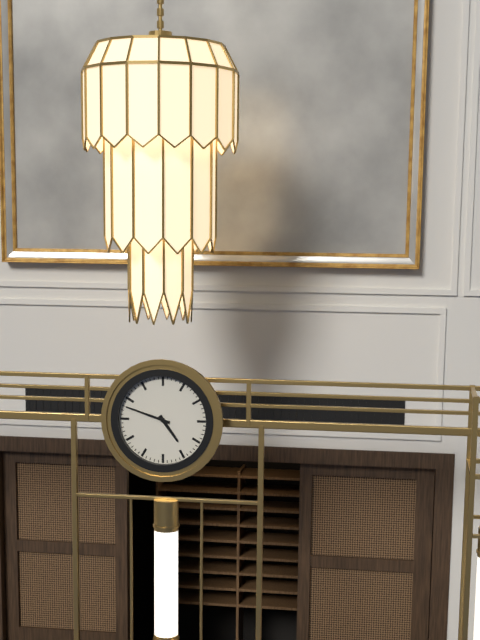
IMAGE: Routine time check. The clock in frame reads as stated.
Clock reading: 4:48
